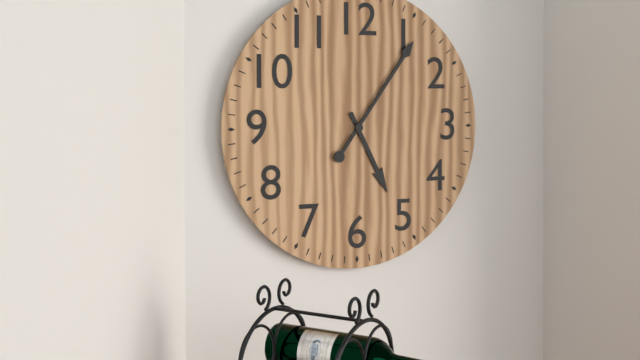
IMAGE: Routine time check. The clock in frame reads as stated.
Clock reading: 5:06
